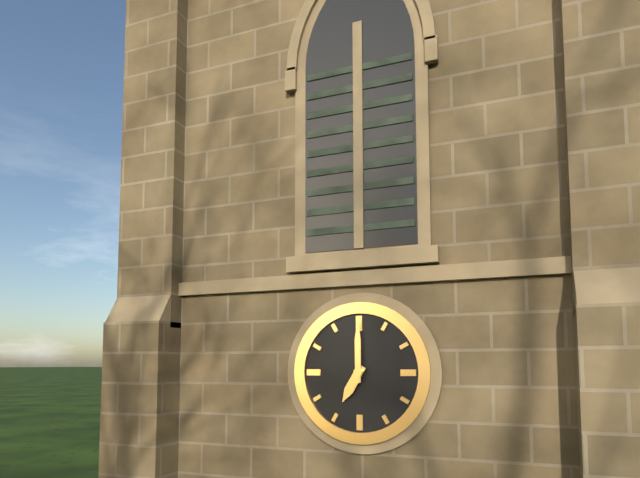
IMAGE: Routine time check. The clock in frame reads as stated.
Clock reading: 7:00
